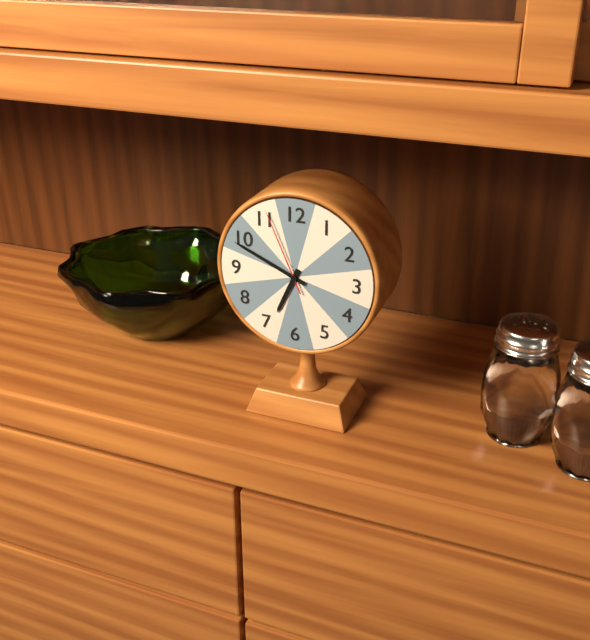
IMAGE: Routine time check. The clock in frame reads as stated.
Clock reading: 6:49:56
